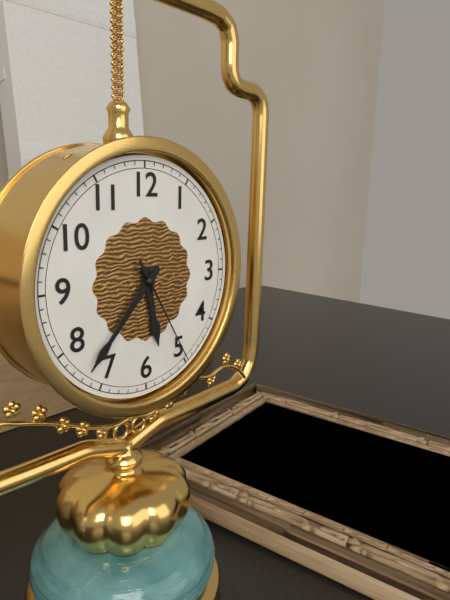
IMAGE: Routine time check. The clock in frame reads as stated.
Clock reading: 5:37:25
